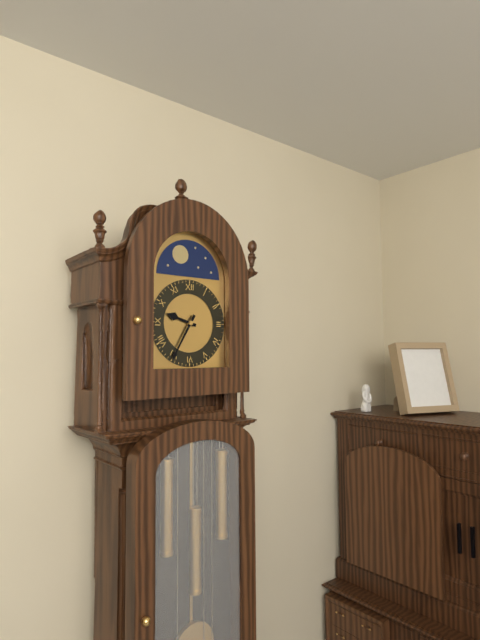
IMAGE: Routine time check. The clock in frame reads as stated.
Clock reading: 9:35
